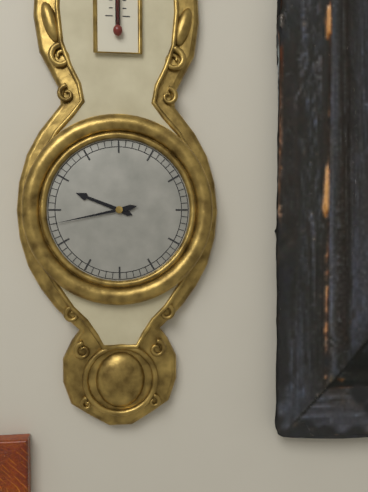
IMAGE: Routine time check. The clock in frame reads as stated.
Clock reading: 9:43
